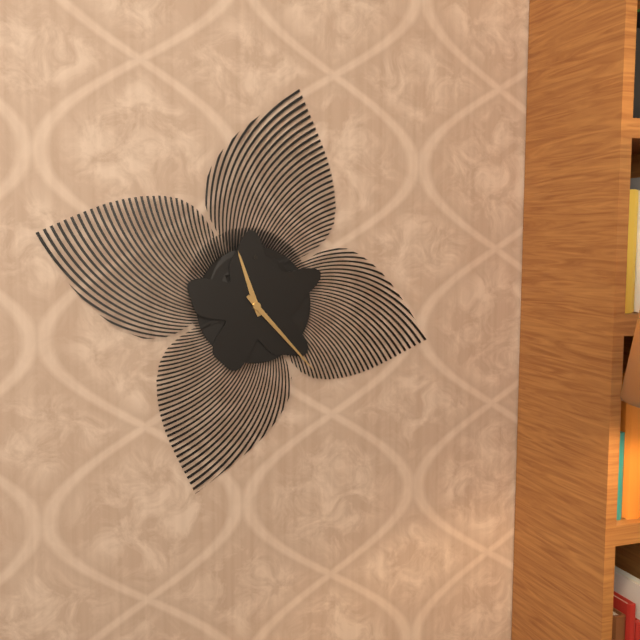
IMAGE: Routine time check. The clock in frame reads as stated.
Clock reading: 11:23
